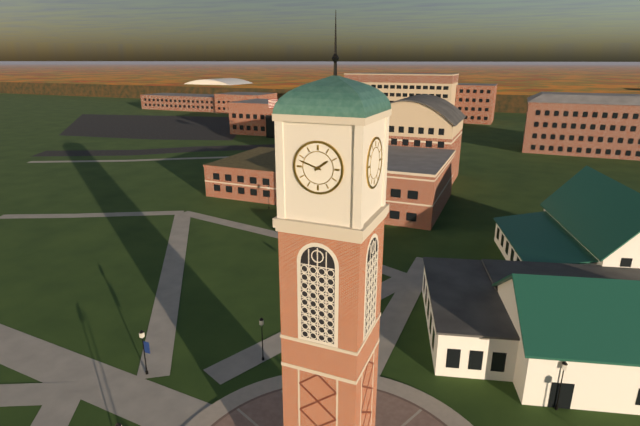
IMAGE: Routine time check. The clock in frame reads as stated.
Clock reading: 1:48
